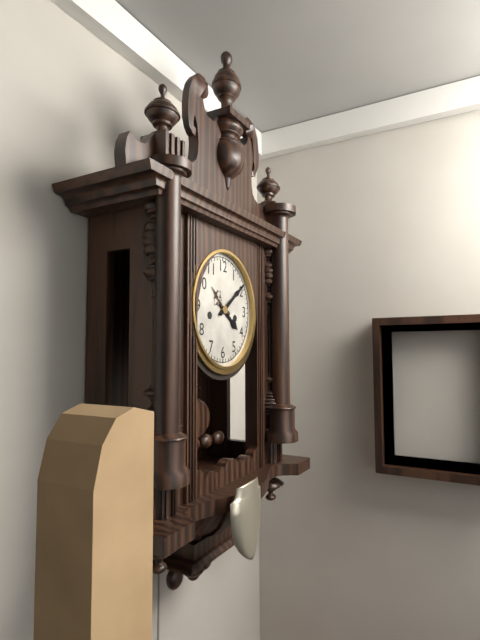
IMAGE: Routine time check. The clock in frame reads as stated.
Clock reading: 4:09
